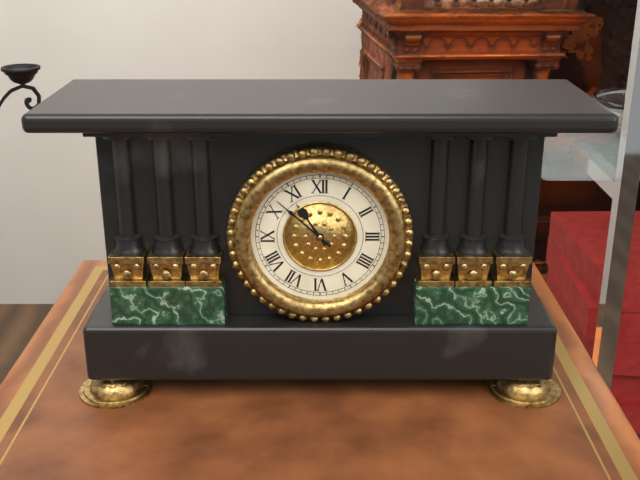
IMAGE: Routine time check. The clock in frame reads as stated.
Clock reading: 10:52
